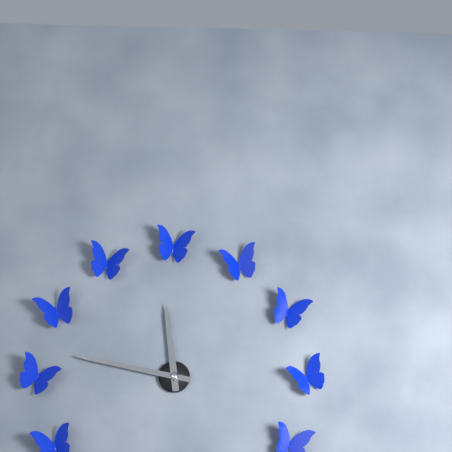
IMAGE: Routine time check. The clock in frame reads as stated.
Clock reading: 11:47
